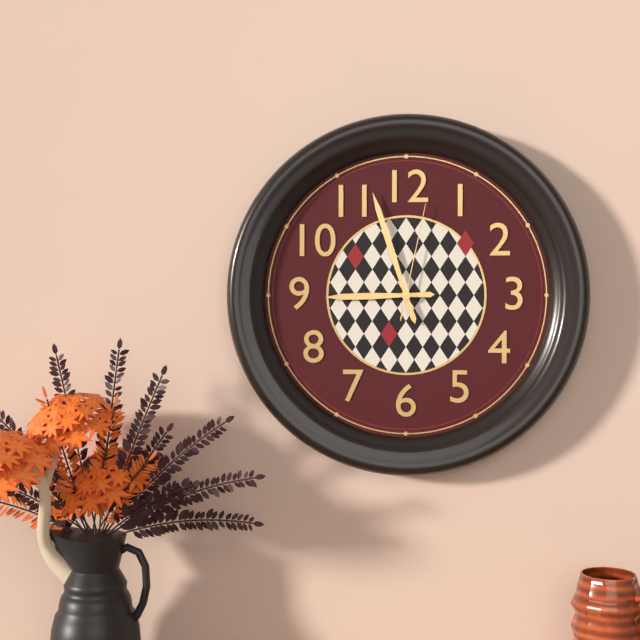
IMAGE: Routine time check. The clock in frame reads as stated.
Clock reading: 8:57:02
